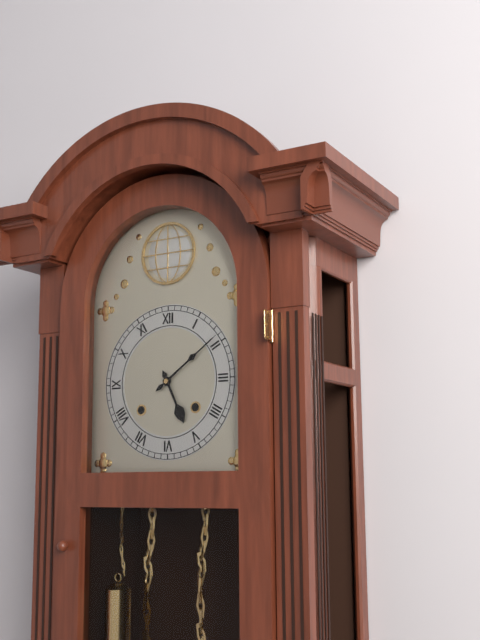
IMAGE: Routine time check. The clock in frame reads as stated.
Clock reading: 5:09
